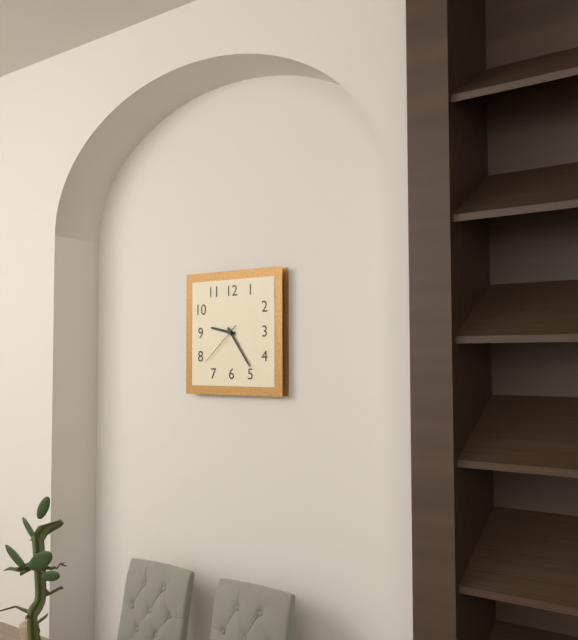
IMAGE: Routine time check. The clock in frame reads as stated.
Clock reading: 9:24
